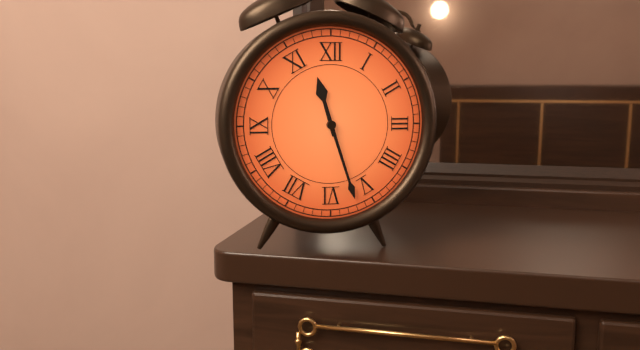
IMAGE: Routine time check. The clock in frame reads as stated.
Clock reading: 11:27
